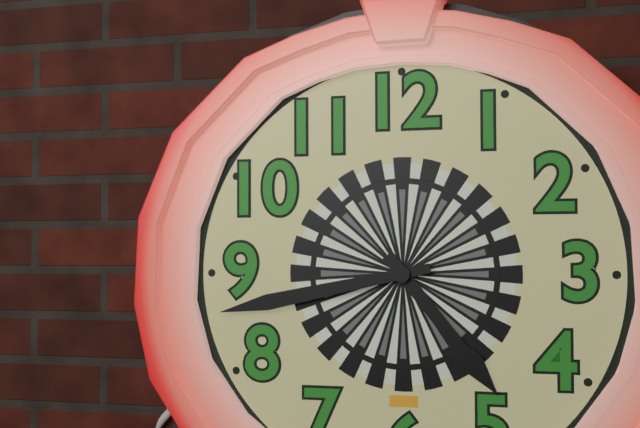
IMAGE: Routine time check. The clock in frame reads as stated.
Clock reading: 4:43
